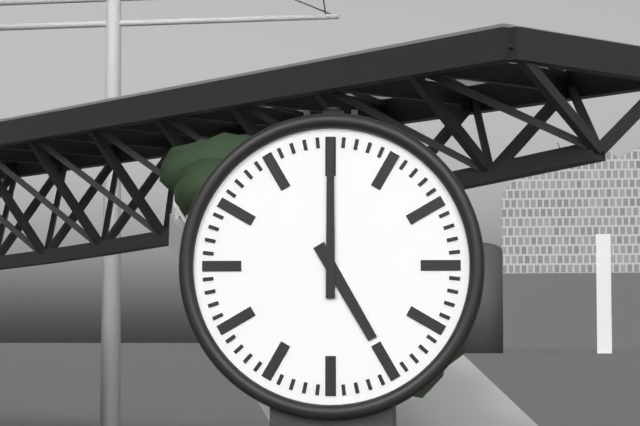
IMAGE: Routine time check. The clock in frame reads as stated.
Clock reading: 5:00
